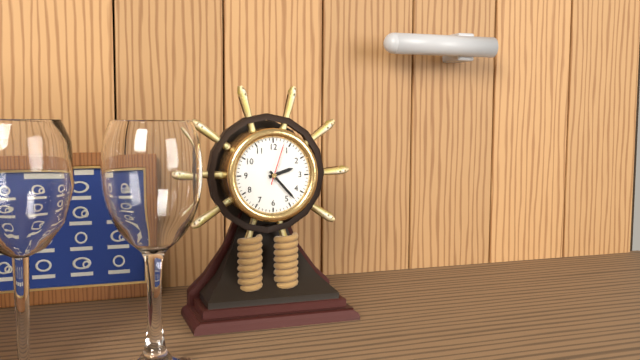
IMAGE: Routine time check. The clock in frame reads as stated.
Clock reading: 2:23
